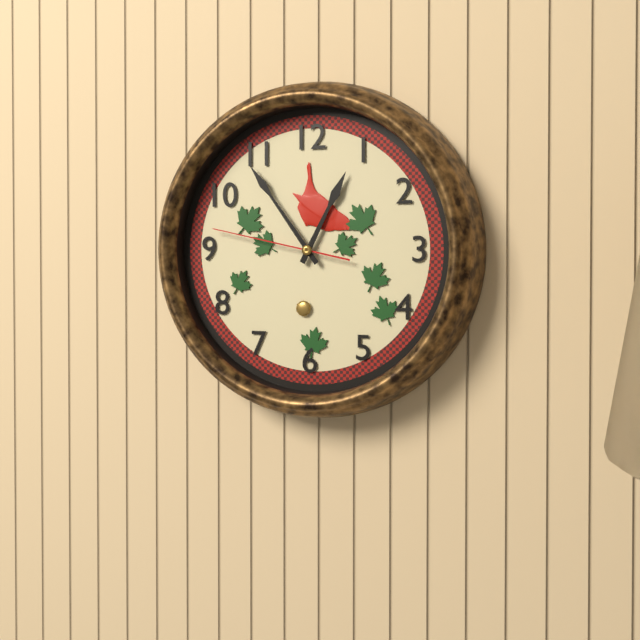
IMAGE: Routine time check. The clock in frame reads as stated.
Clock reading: 12:54:47
